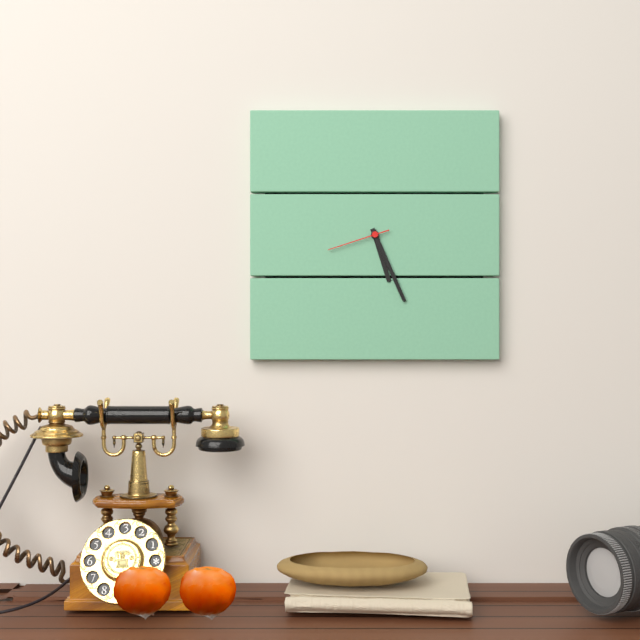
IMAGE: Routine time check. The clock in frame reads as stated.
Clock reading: 5:26:42
